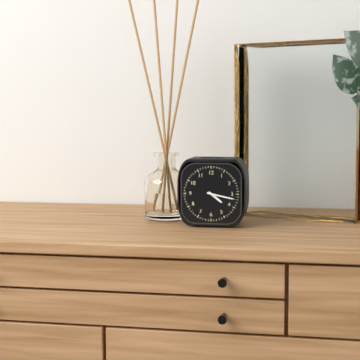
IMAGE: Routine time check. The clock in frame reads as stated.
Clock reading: 4:17
